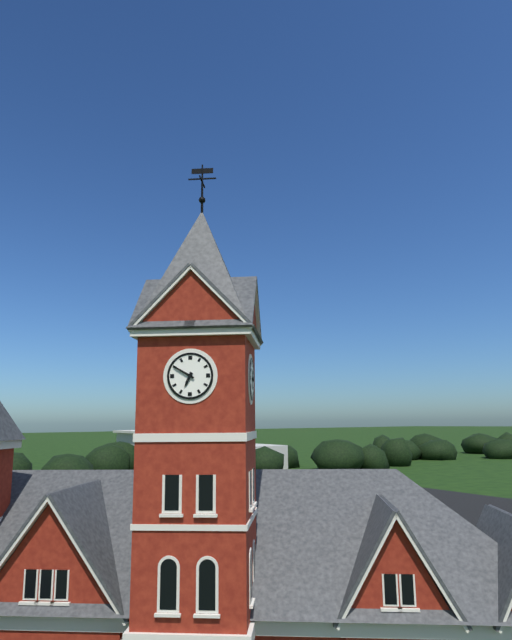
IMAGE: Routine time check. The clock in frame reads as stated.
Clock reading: 6:50
